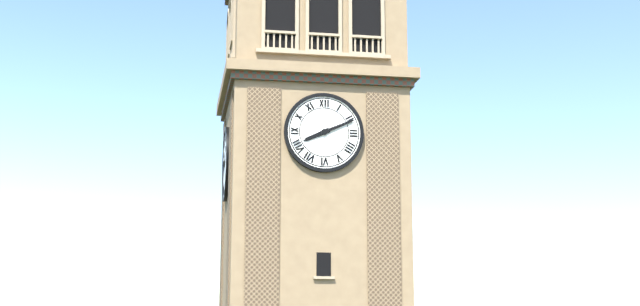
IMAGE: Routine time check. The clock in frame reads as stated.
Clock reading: 8:11
